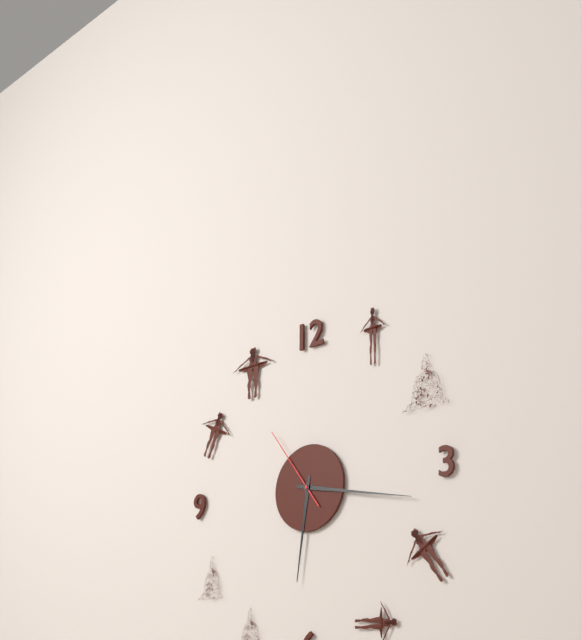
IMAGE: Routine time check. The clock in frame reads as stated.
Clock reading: 6:17:54
